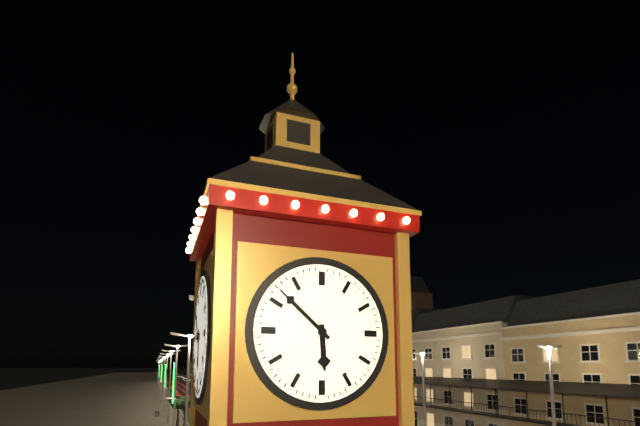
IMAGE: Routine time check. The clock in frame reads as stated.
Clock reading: 5:52
